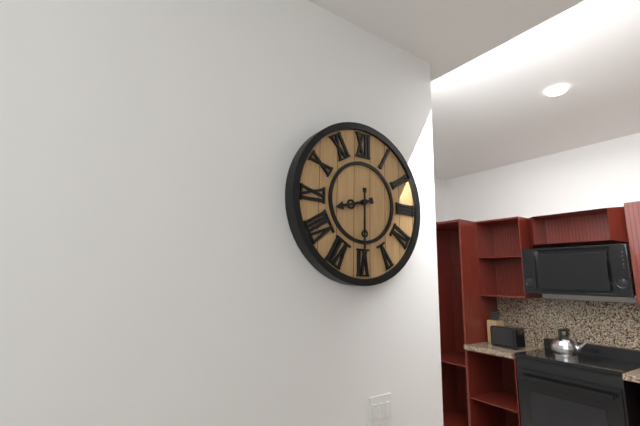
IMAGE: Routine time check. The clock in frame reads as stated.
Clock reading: 8:30
